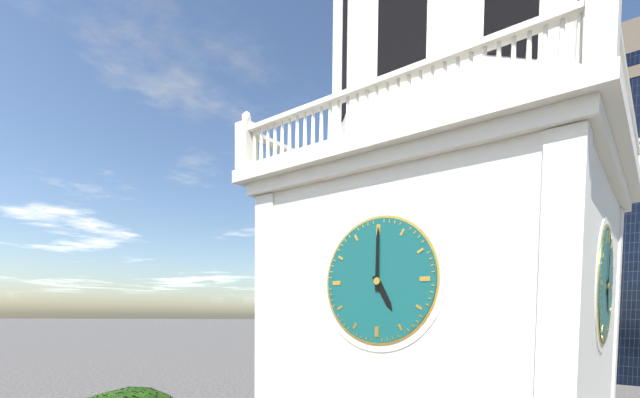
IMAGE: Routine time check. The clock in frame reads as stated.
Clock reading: 5:00
